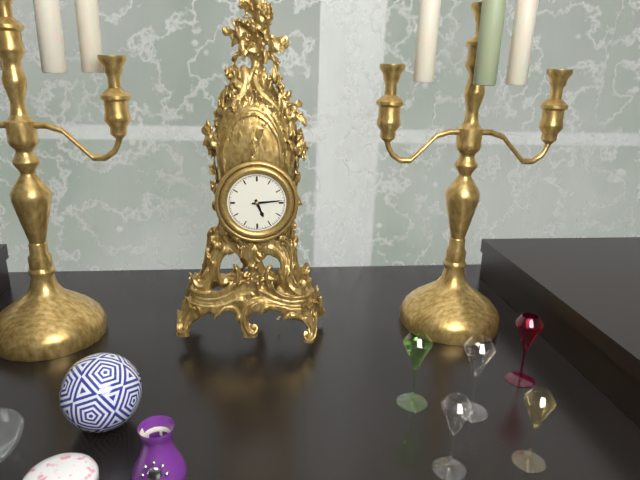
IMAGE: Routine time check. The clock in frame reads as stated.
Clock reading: 5:14
